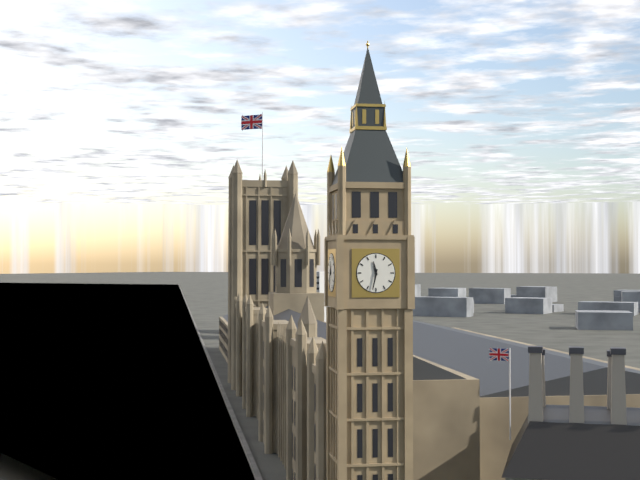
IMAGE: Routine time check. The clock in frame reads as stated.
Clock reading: 11:32
